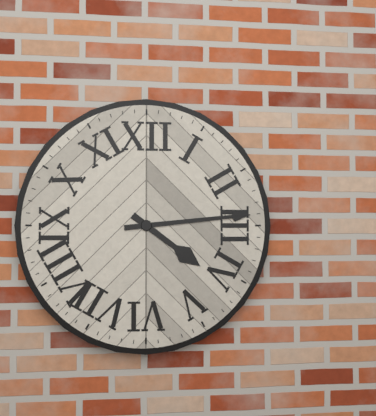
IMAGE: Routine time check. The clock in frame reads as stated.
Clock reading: 4:14
